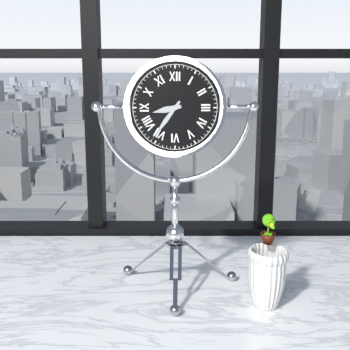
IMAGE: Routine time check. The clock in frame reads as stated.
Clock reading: 8:36
